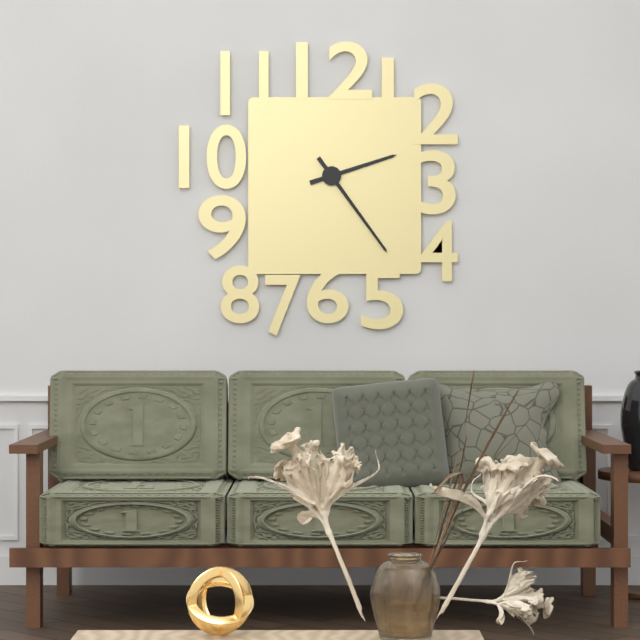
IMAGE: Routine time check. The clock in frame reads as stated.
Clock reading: 2:24
